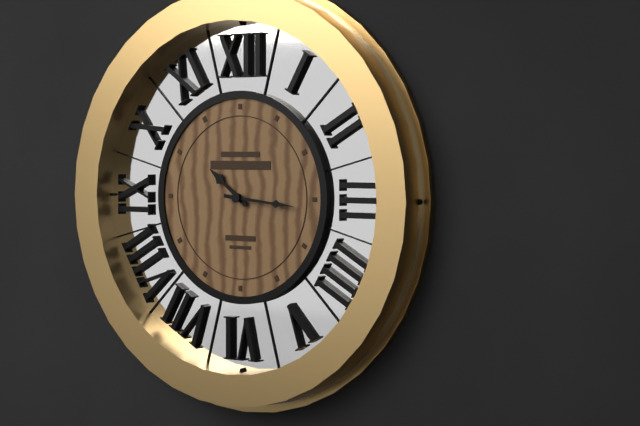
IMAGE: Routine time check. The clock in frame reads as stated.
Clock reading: 10:16
